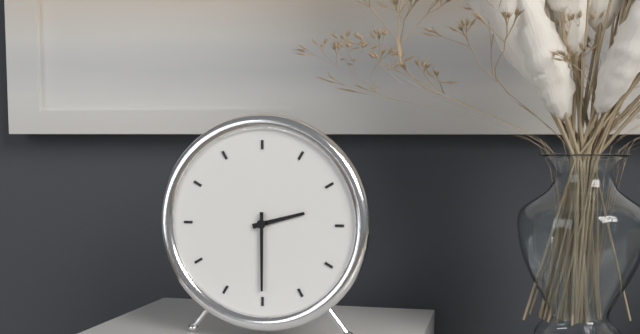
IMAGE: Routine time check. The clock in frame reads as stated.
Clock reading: 2:30
